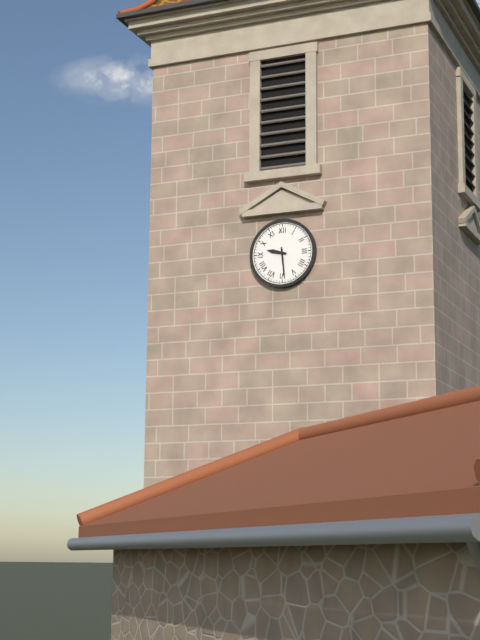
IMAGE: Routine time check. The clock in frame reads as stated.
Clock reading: 9:29
